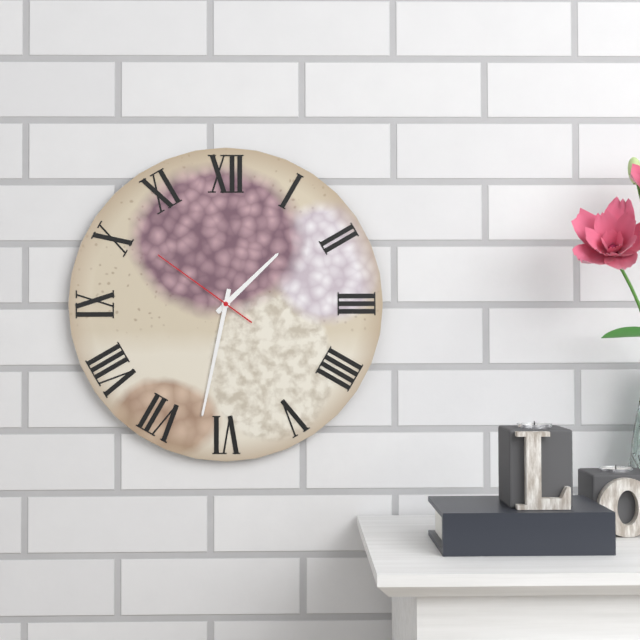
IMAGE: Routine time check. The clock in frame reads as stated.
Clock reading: 1:32:51
